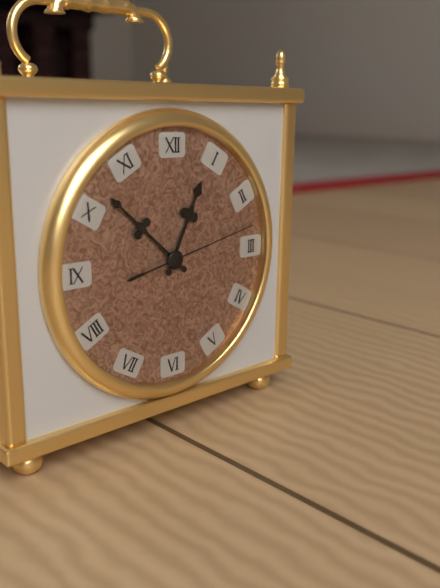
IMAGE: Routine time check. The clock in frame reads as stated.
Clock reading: 12:52:13
